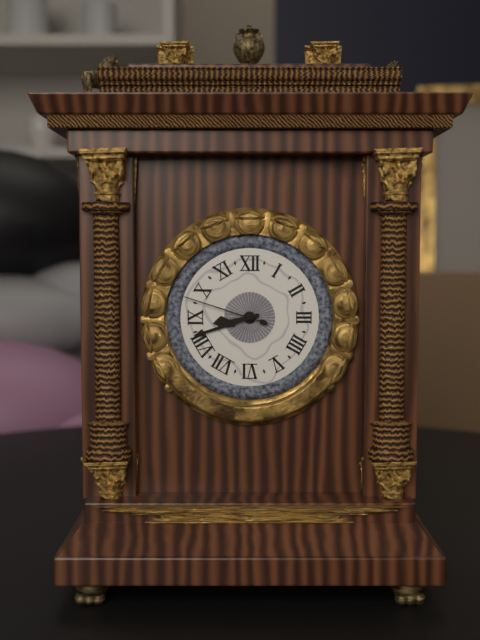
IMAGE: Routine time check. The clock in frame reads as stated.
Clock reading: 8:42:48
